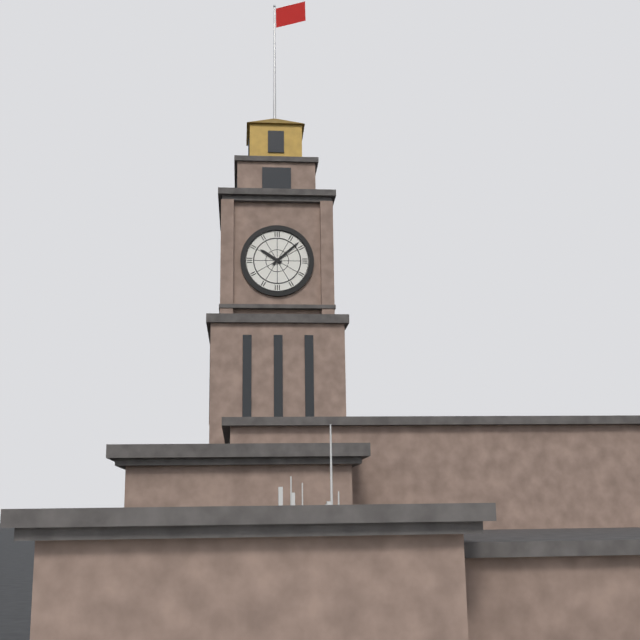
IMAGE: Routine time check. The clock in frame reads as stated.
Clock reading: 10:08
